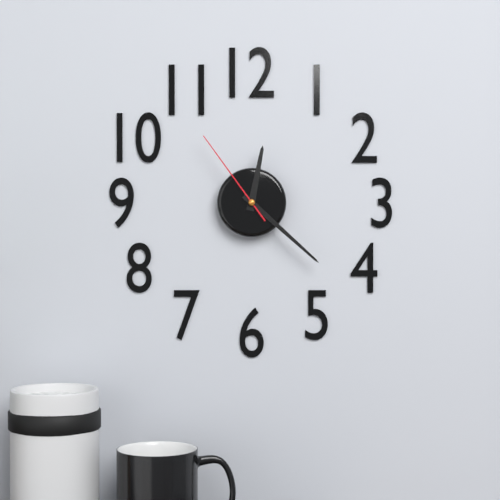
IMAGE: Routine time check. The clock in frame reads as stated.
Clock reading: 12:22:54
